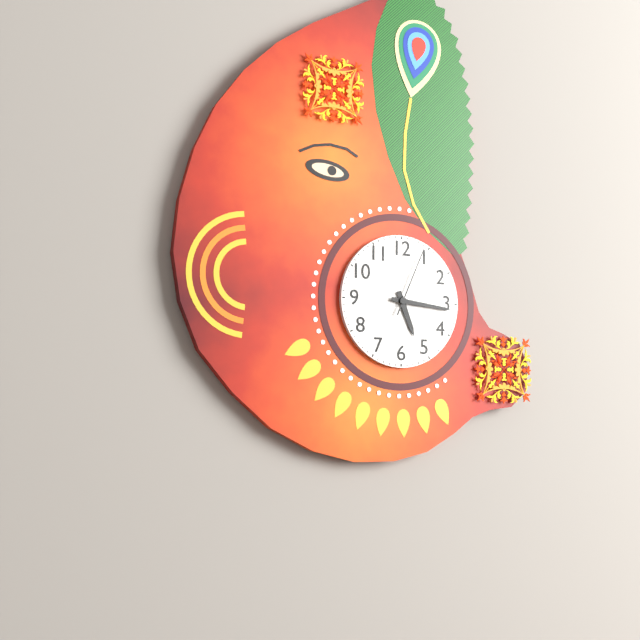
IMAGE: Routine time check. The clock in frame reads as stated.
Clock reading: 5:16:04
